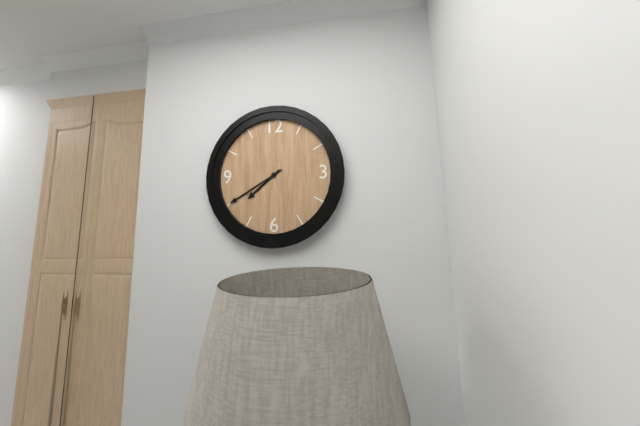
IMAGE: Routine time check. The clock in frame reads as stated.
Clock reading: 7:40
